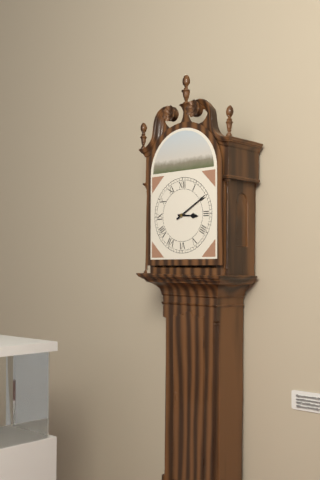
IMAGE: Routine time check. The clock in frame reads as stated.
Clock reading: 3:10
